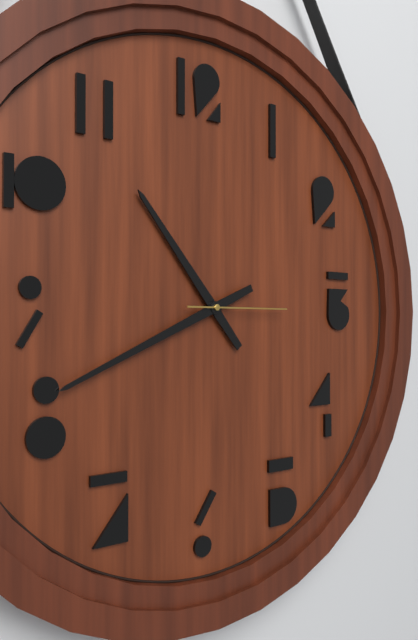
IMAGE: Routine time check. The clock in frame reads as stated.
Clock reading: 10:41:15
